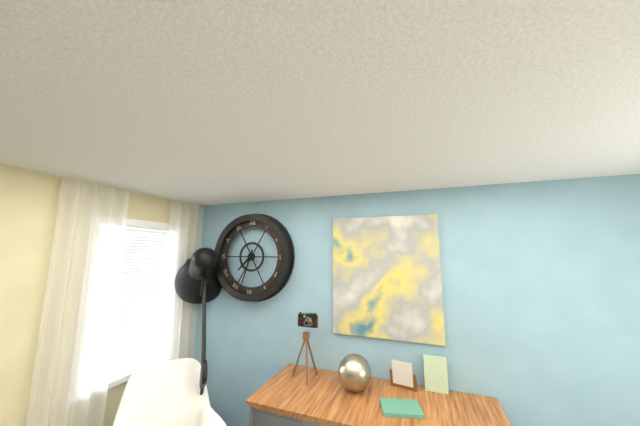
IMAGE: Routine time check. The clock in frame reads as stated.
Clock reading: 7:33
